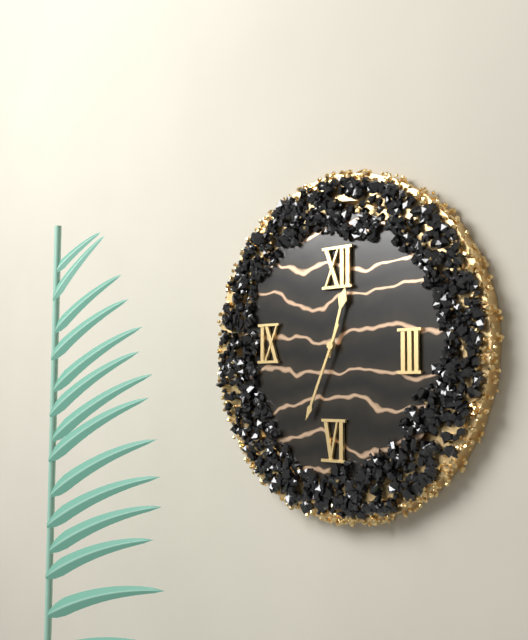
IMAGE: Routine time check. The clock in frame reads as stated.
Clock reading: 12:34
